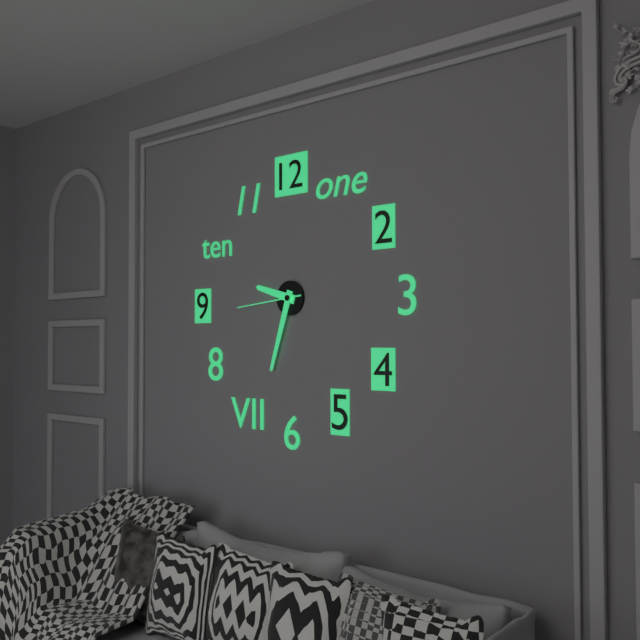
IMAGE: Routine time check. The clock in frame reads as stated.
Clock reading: 9:33:44
